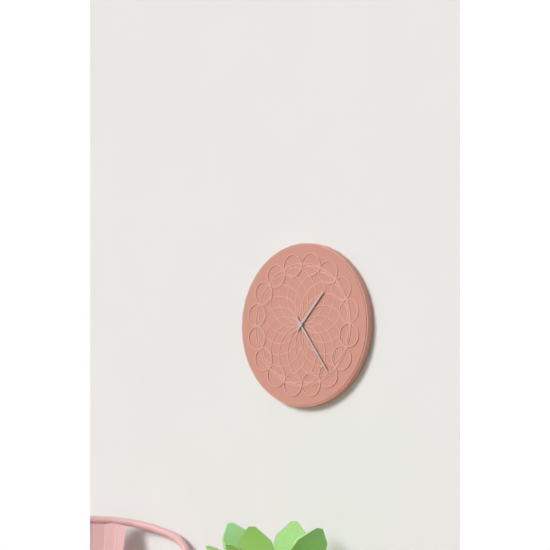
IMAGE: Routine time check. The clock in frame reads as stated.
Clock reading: 1:24
